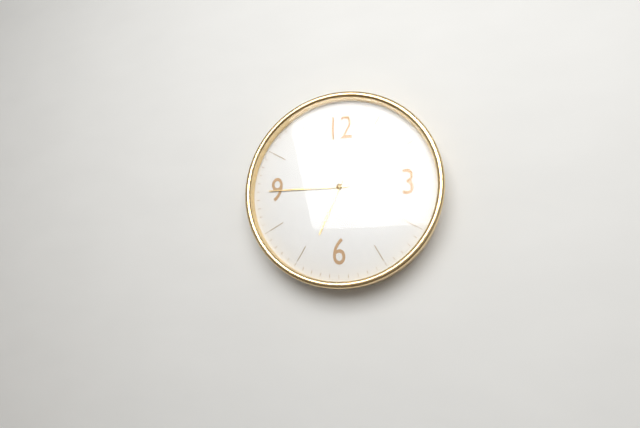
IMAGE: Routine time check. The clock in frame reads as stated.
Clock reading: 6:45
